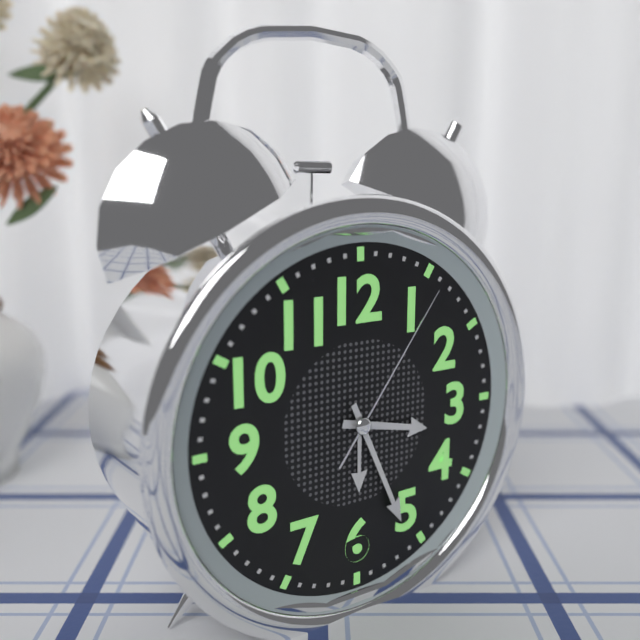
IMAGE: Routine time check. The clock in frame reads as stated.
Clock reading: 3:26:06
